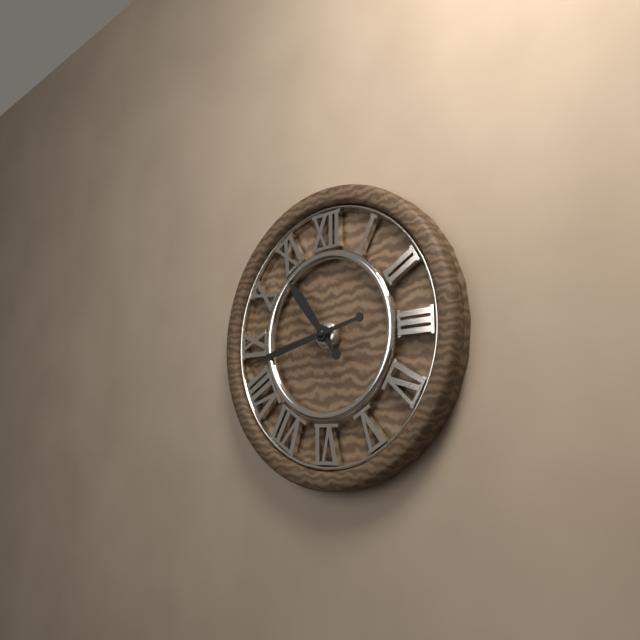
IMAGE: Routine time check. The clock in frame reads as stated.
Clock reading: 10:43
